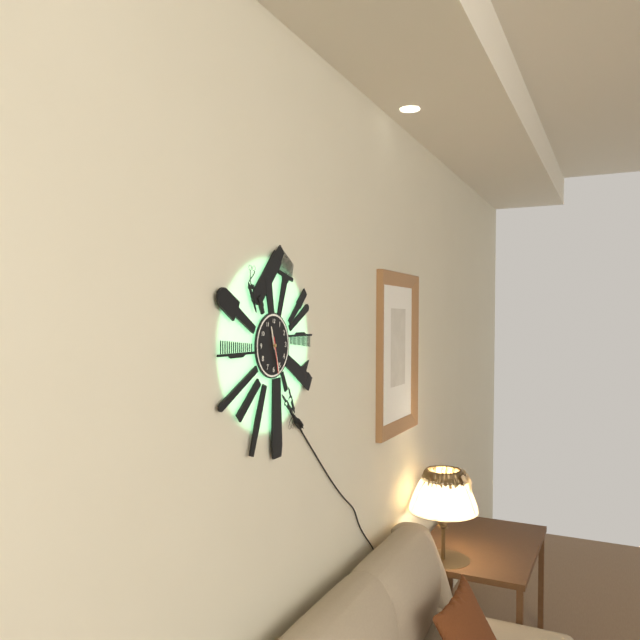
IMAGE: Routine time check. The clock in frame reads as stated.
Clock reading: 11:27
